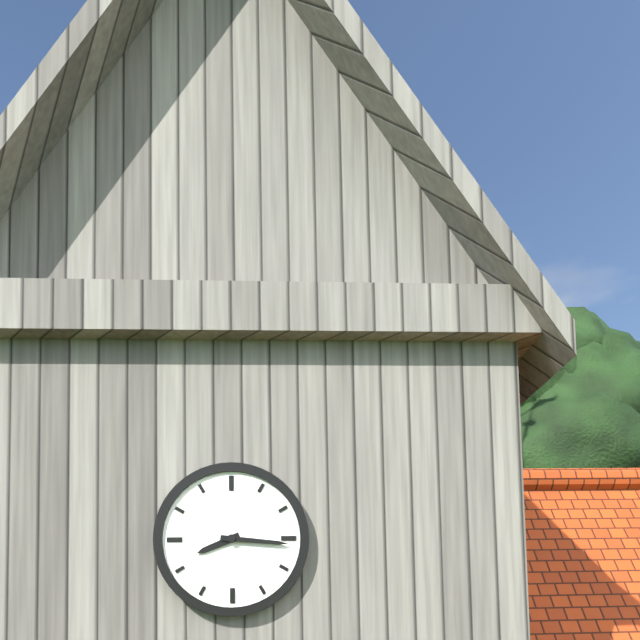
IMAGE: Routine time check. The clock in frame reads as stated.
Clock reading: 8:16
